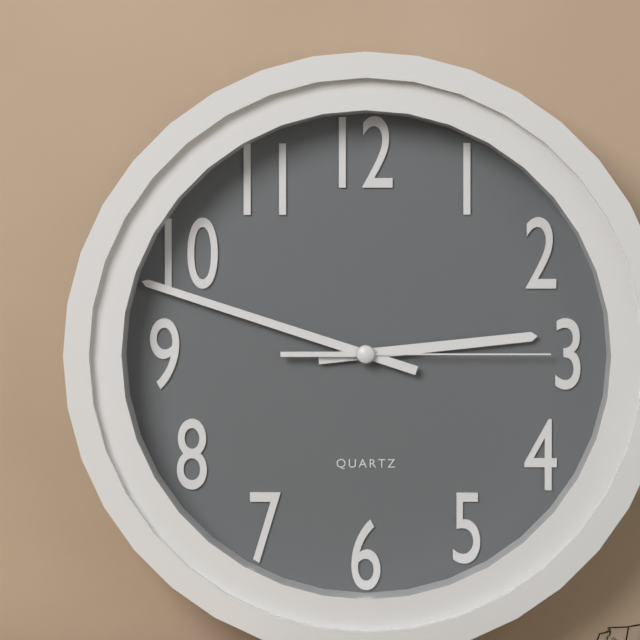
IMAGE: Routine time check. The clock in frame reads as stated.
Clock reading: 2:48:15
